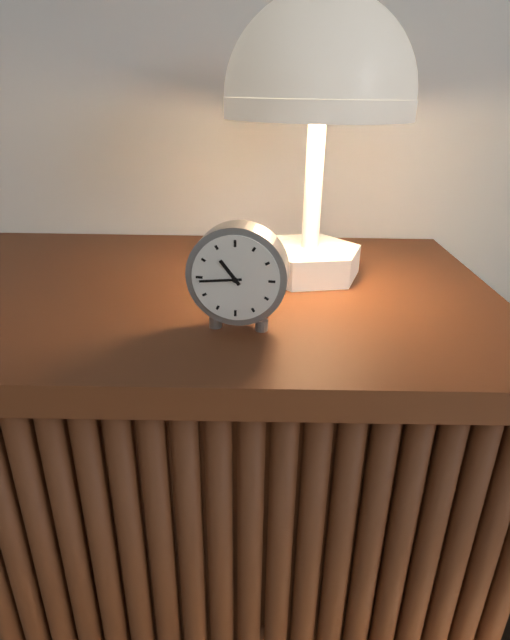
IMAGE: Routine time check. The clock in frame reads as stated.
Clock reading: 10:44
